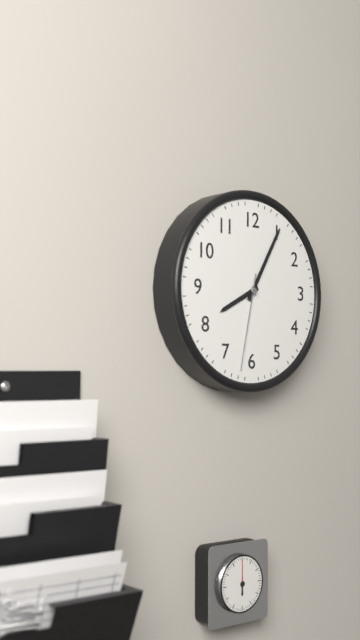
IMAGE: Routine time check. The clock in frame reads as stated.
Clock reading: 8:05:32
